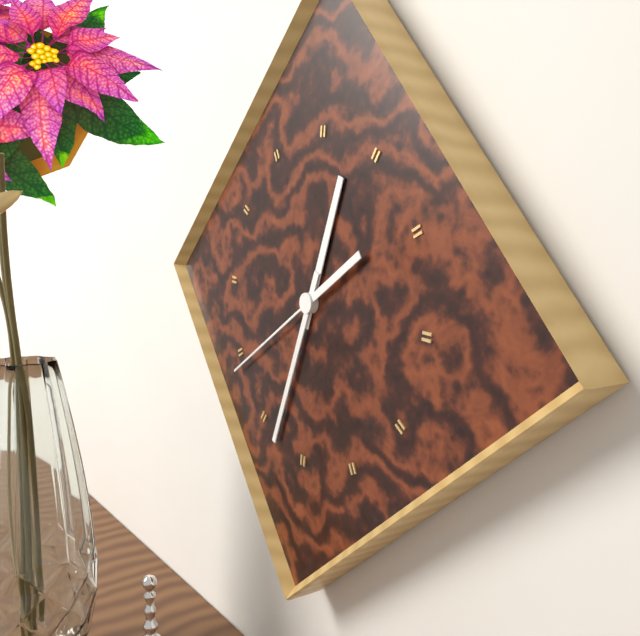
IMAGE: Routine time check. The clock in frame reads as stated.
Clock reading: 12:33:39
